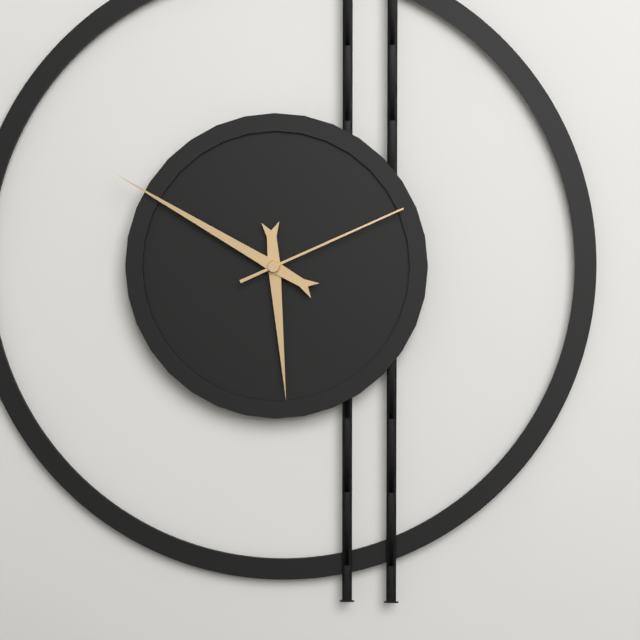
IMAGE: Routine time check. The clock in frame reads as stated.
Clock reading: 5:50:11
